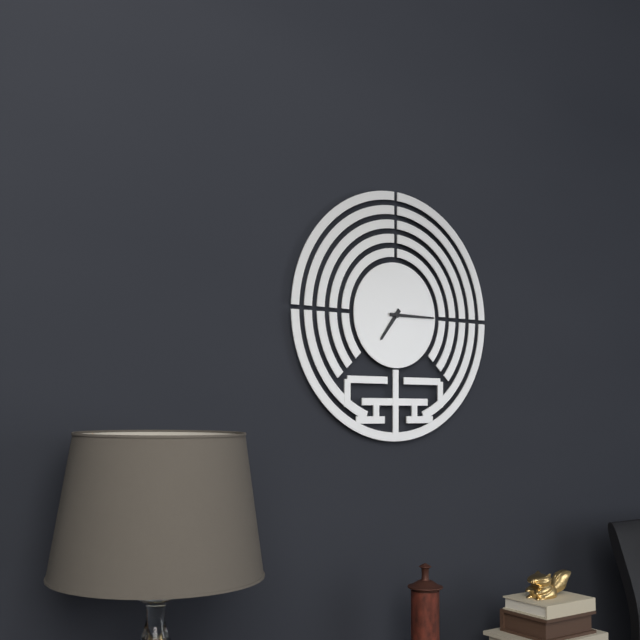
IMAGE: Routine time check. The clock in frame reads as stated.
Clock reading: 7:15
